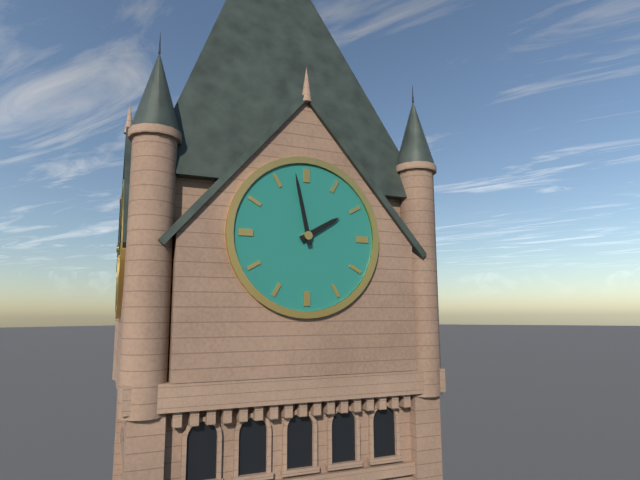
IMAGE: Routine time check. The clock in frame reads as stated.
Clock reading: 1:58
